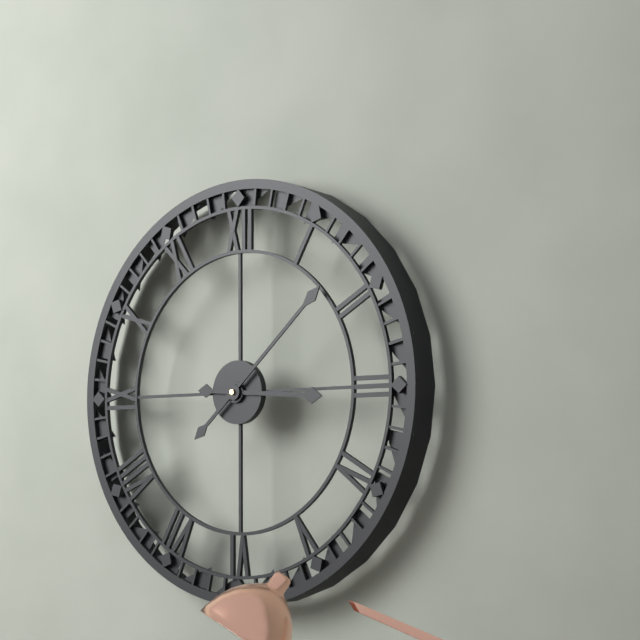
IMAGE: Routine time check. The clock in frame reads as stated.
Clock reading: 3:08
